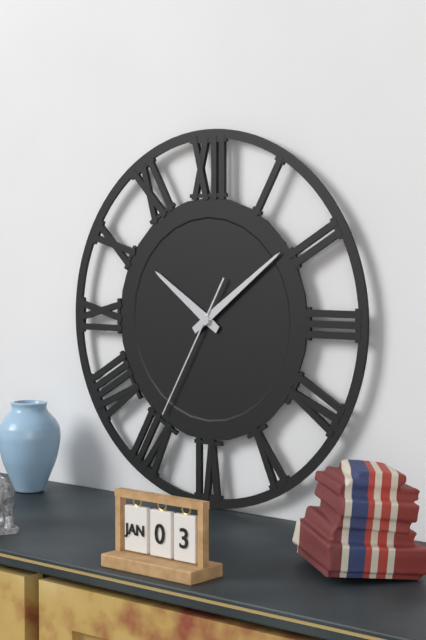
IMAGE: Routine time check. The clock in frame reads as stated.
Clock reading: 10:09:35
